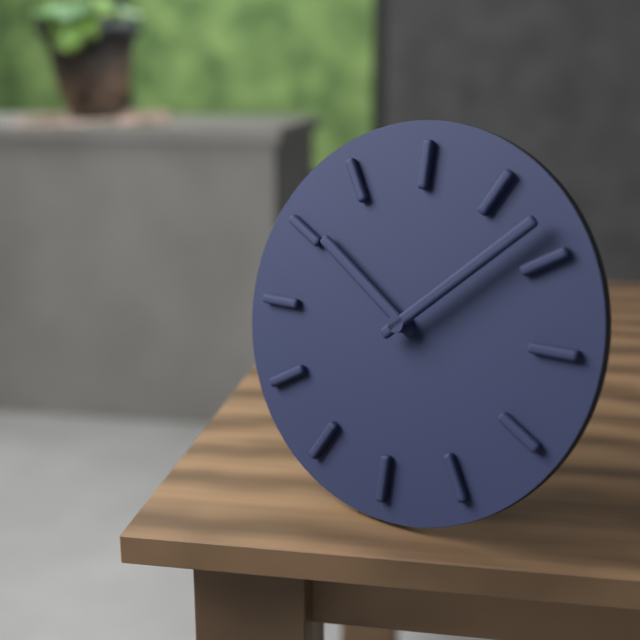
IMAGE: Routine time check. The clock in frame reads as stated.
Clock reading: 10:08
